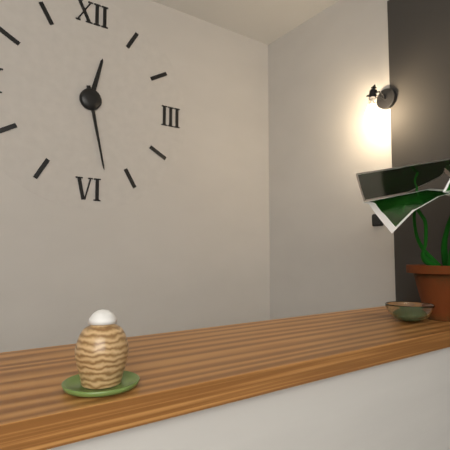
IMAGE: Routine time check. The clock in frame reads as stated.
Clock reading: 12:28
